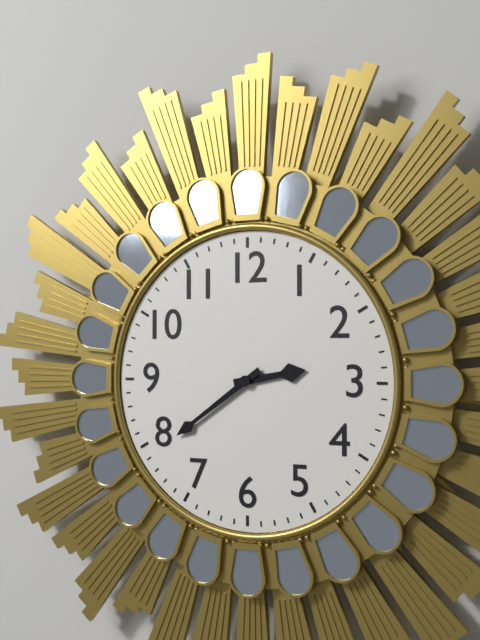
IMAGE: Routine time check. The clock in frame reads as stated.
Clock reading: 2:39
